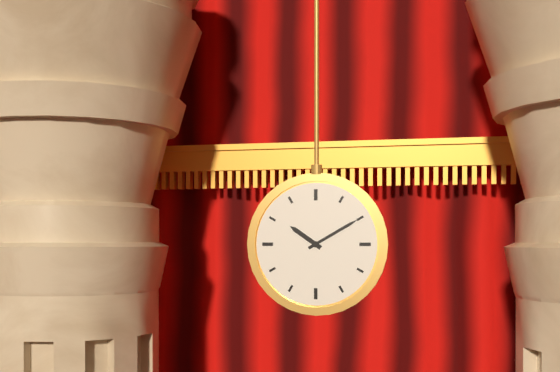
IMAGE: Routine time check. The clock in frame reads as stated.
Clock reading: 10:10
